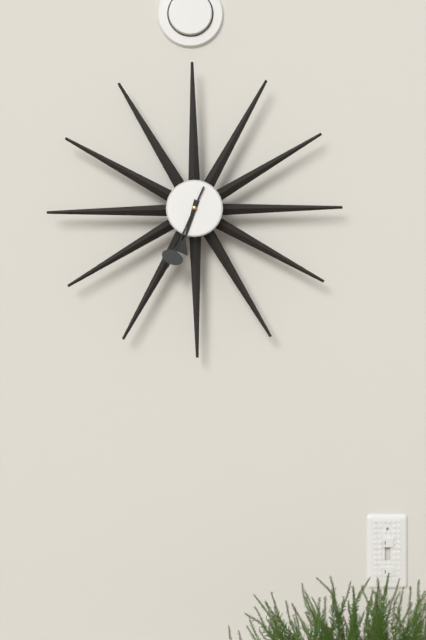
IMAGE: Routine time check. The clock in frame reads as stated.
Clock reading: 6:34
